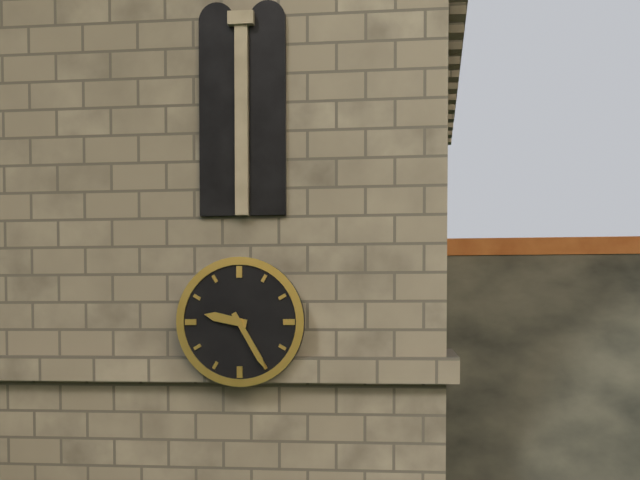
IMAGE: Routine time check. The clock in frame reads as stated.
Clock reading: 9:25
